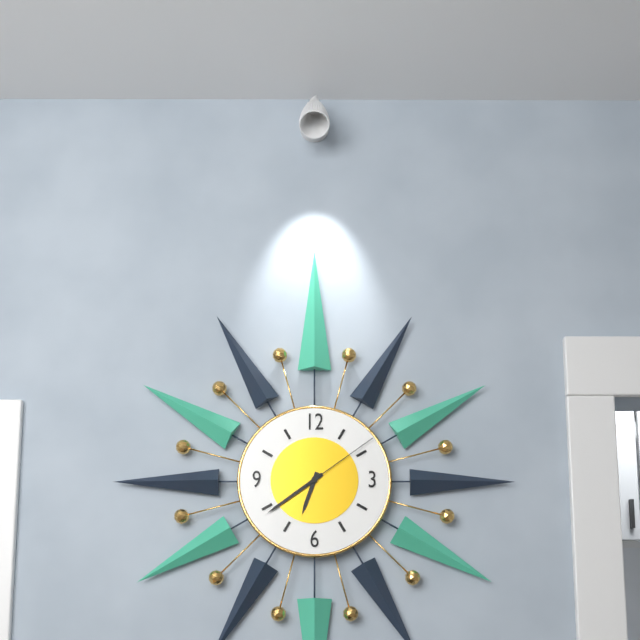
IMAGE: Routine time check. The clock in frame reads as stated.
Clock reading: 6:39:09
